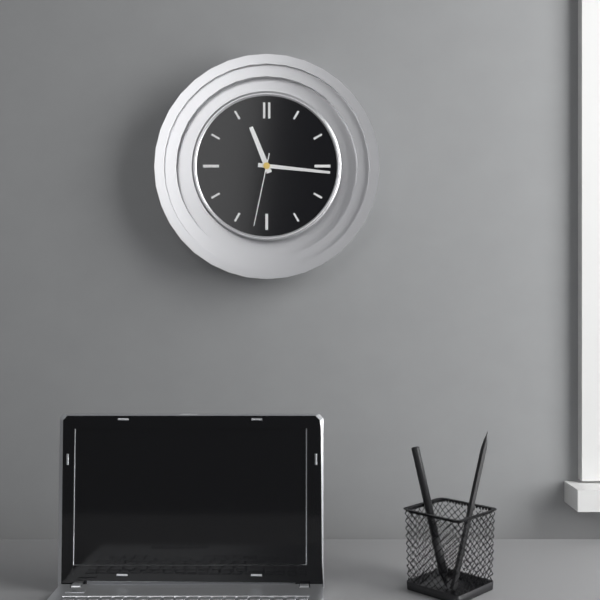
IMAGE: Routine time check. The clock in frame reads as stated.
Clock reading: 11:16:32
